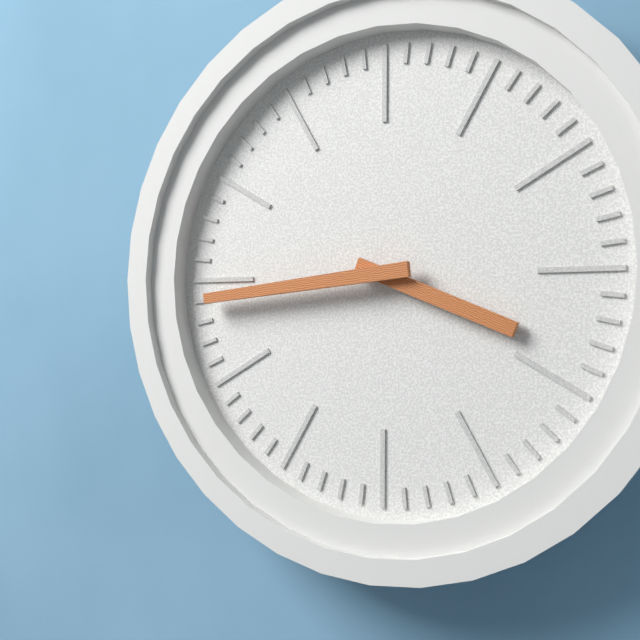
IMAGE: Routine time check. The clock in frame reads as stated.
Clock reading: 3:44
